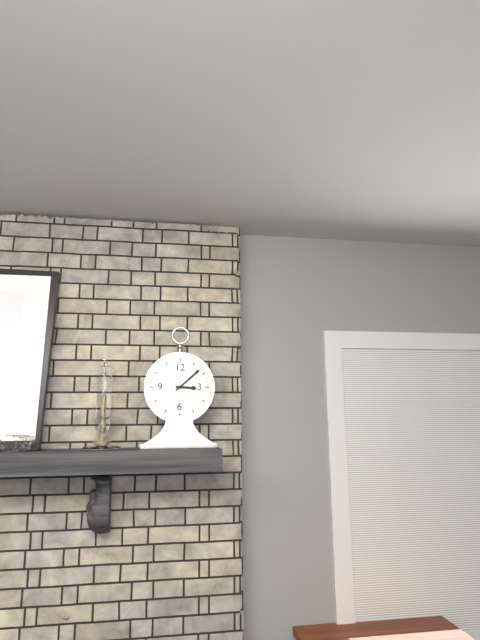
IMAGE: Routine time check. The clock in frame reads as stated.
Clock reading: 3:08
